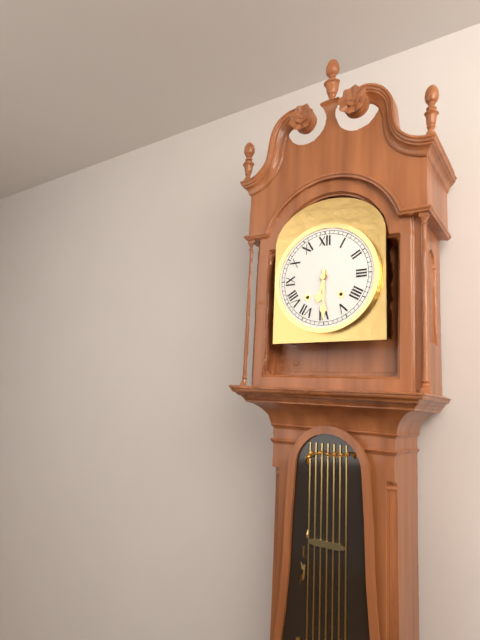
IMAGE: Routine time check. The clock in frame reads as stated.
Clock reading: 6:30
